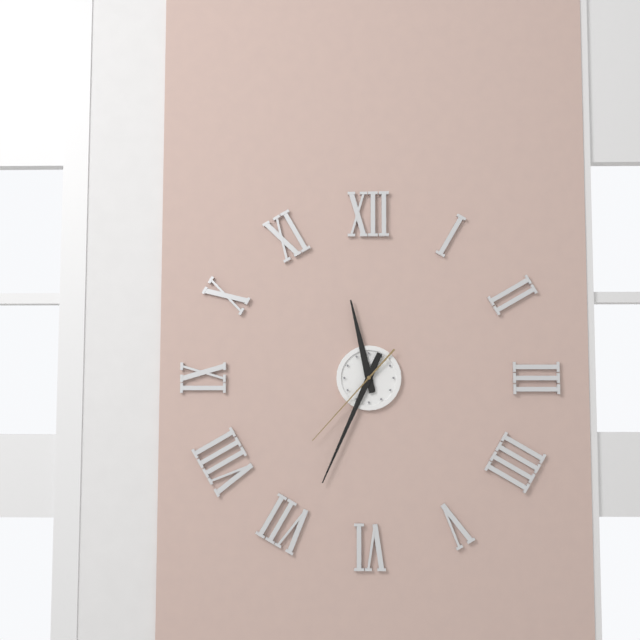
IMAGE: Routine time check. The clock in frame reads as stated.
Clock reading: 11:34:37
